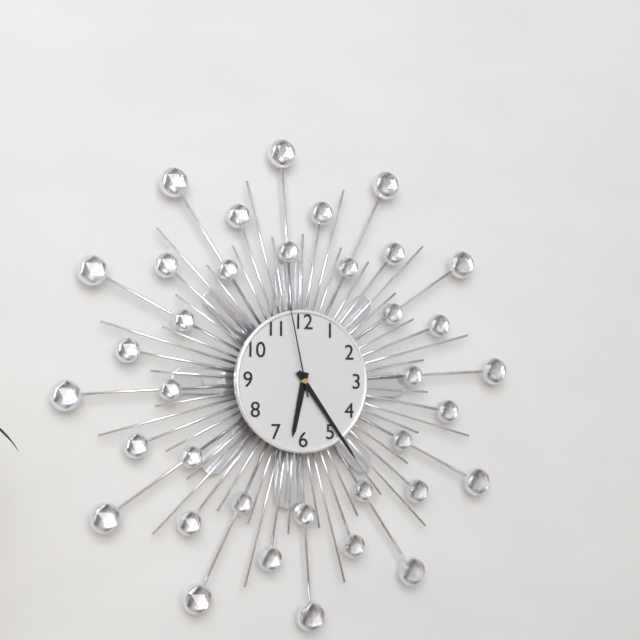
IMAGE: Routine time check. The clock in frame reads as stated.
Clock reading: 6:24:58
